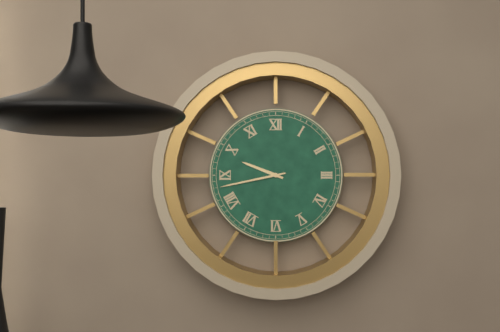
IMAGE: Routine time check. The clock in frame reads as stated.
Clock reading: 9:43
